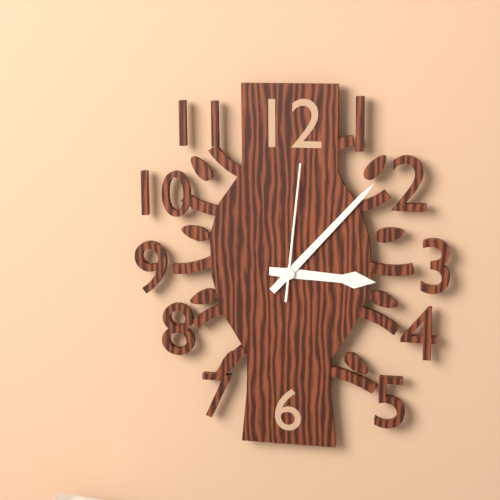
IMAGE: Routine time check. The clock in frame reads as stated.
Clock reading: 3:07:01
